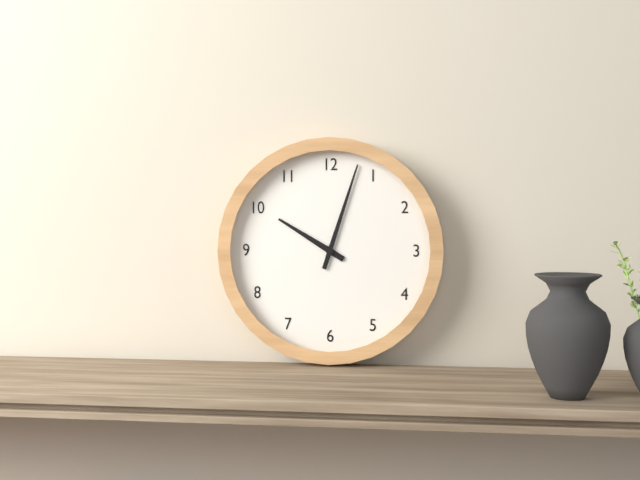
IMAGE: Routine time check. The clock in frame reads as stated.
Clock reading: 10:03
